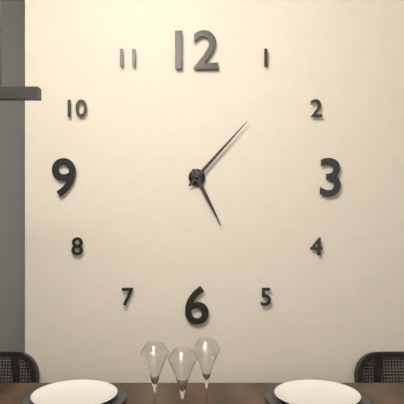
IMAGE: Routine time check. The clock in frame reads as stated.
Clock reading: 5:07
